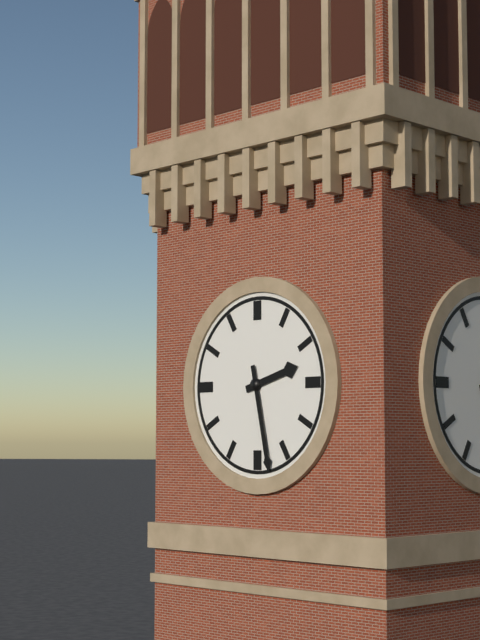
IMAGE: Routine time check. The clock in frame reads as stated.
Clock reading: 2:28
